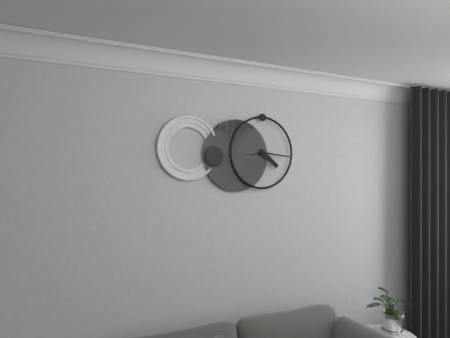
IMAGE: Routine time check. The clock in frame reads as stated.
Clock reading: 4:16
